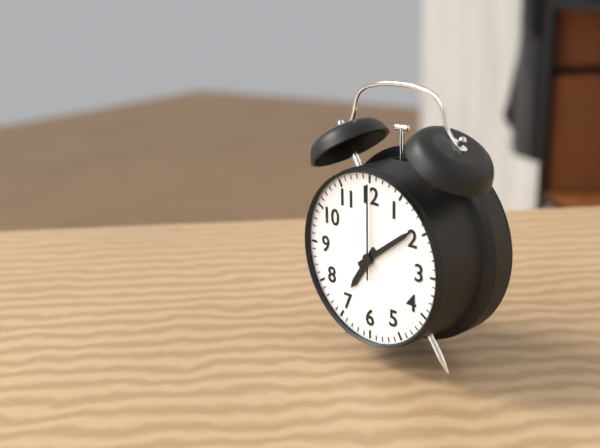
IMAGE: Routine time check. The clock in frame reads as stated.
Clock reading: 7:09:00
